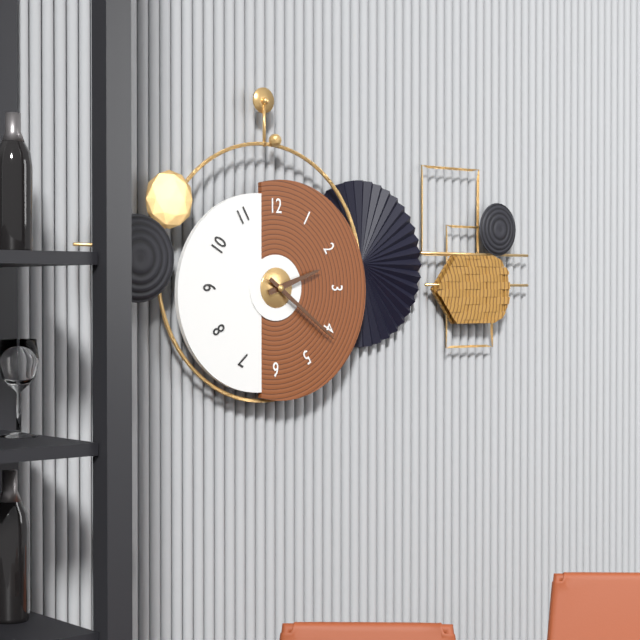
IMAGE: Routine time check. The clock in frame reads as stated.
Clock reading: 2:21
